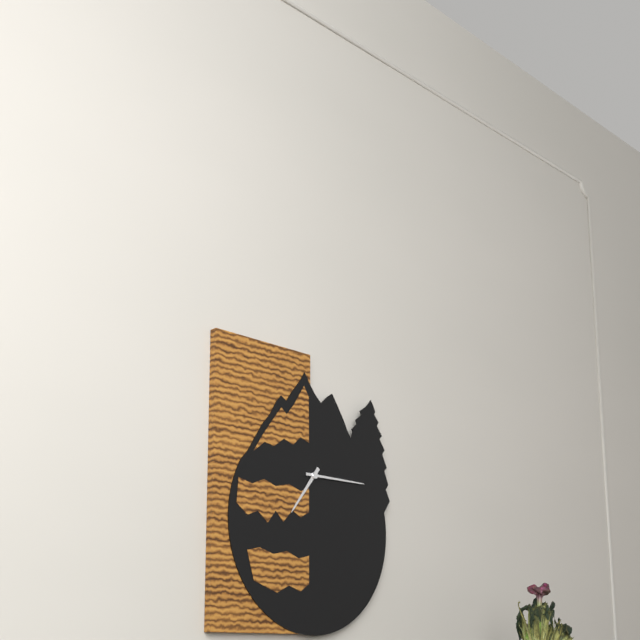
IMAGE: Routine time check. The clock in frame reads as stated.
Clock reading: 7:15
